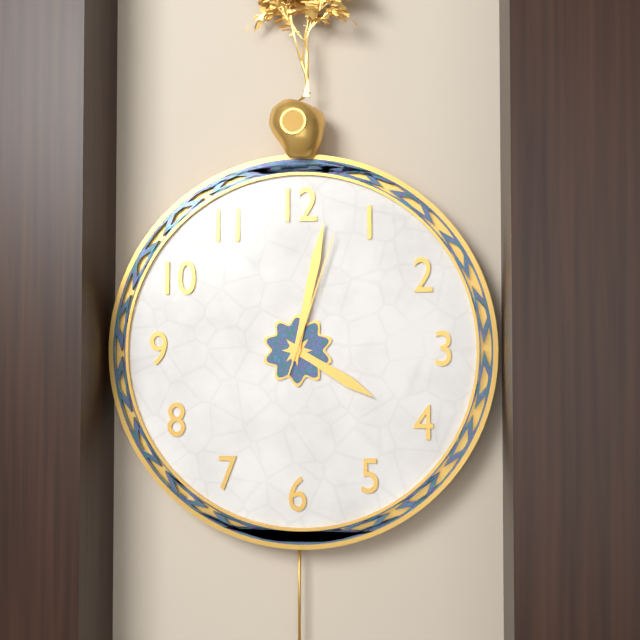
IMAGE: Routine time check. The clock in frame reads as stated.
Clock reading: 4:02:03
